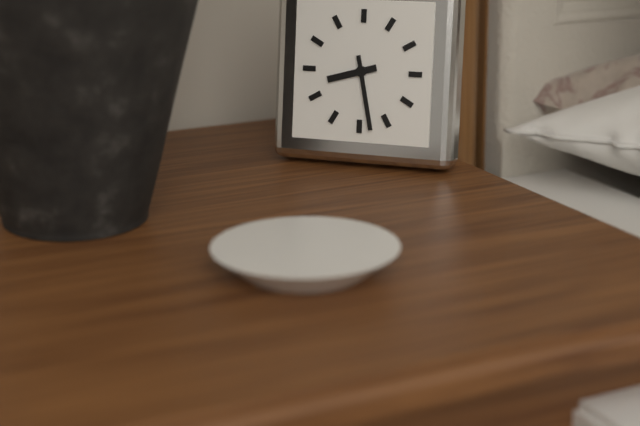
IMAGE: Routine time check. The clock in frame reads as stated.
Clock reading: 8:28
